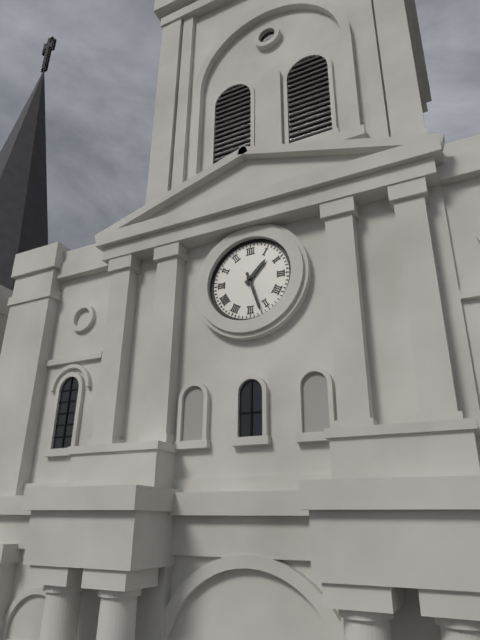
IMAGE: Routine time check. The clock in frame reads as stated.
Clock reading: 1:27
